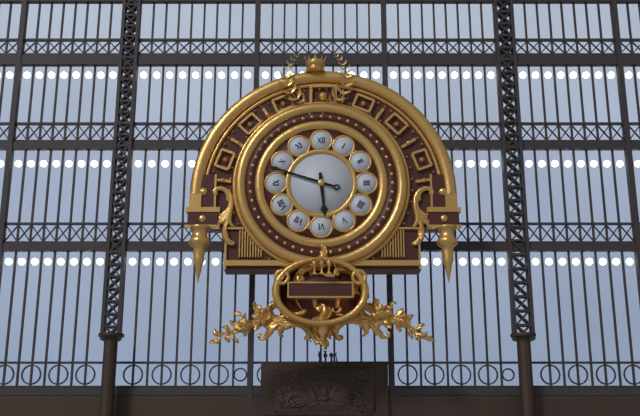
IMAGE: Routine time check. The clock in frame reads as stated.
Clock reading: 5:48
